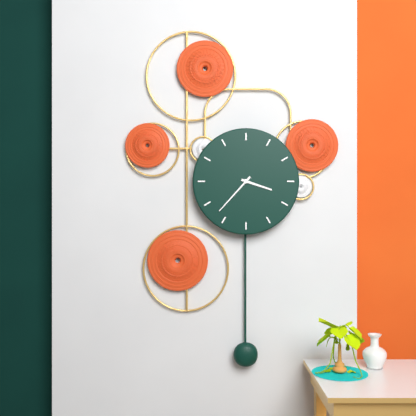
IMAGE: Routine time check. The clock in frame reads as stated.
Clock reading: 3:37
